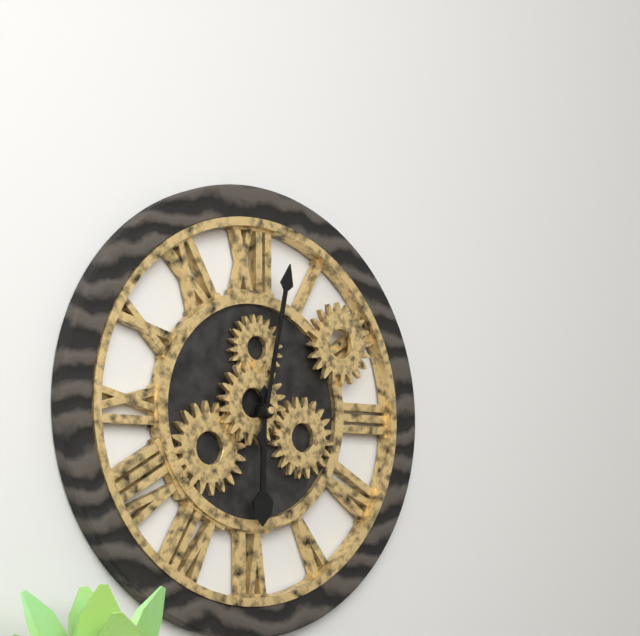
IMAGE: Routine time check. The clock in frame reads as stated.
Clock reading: 6:02
